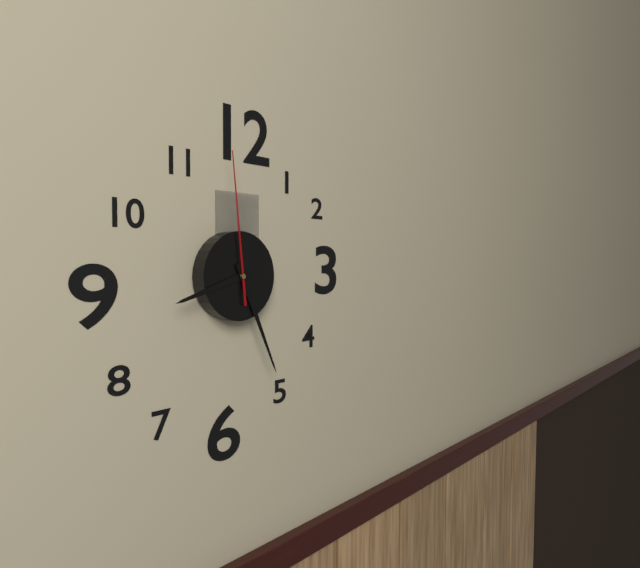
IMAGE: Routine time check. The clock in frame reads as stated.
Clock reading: 8:26:59
